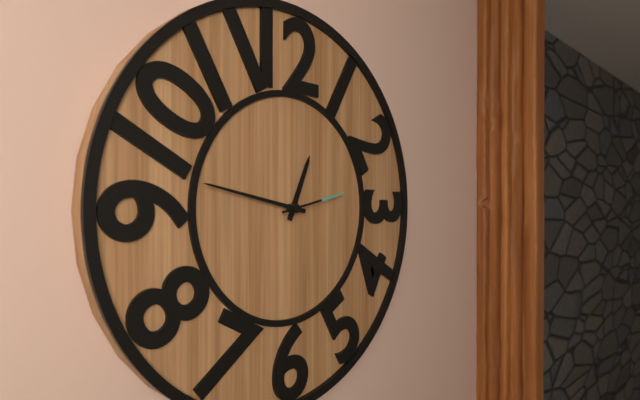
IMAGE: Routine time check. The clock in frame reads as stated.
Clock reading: 12:47:13
